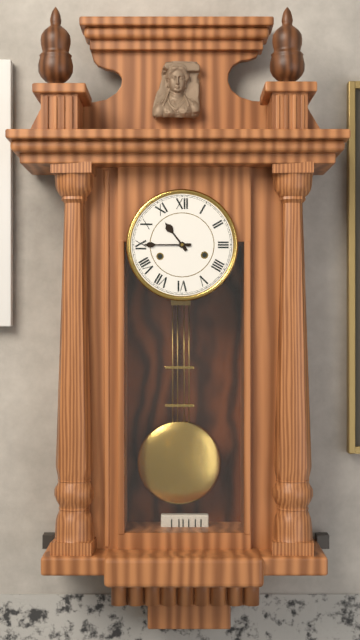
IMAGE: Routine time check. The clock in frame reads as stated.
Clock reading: 10:45
